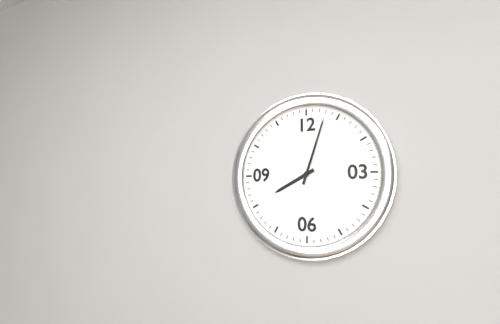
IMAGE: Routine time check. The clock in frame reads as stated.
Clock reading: 8:03
